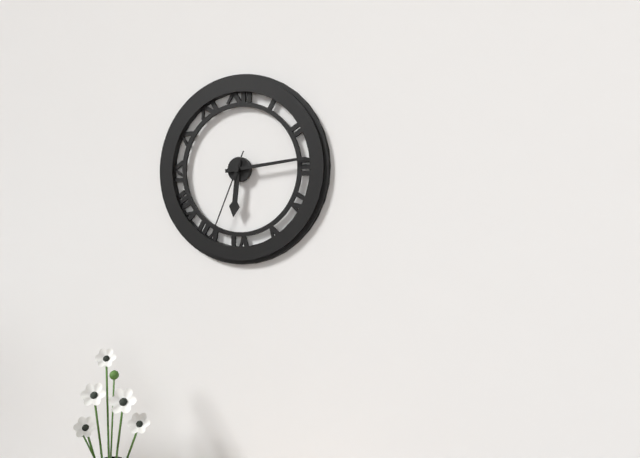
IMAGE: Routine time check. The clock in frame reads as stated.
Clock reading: 6:14:34
